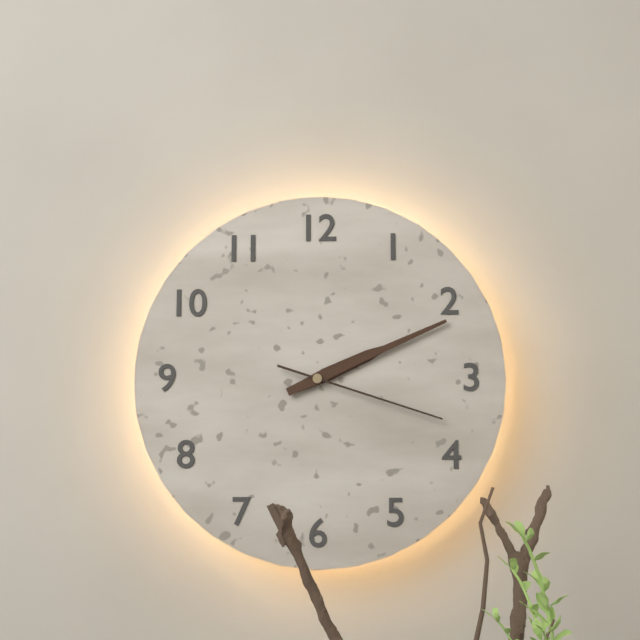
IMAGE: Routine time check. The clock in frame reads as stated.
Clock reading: 2:11:18
